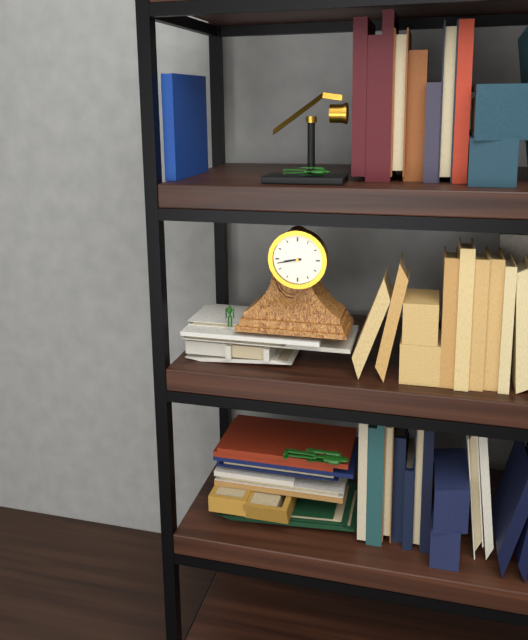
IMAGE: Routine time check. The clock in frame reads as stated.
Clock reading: 8:43
